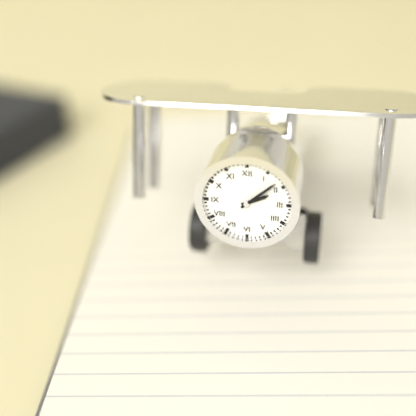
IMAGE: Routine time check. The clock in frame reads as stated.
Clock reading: 2:08
